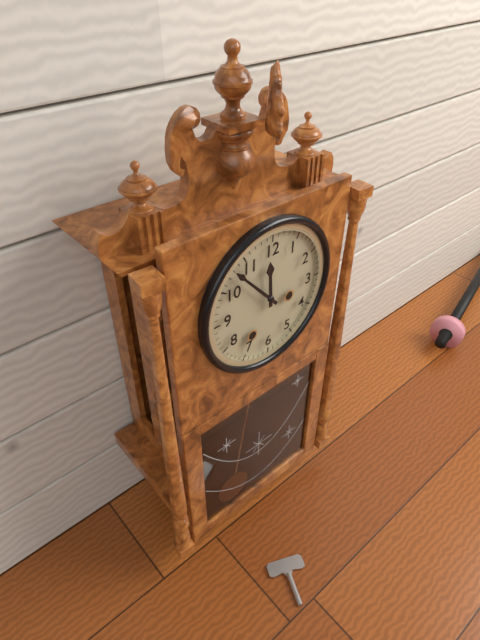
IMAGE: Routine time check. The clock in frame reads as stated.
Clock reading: 11:53
